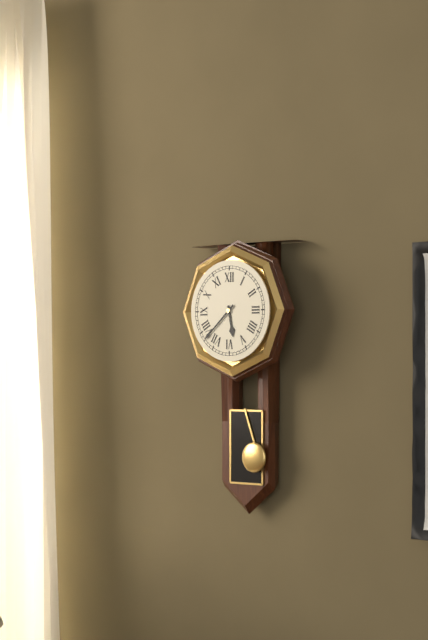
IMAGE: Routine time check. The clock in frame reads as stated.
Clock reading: 5:38
